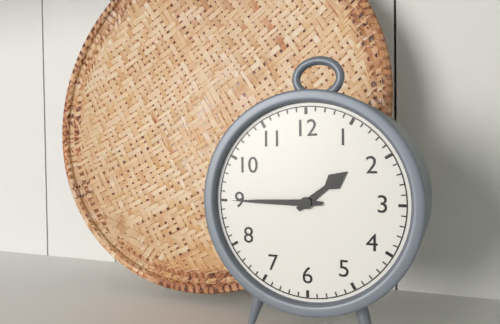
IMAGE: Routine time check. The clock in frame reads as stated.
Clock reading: 1:45
